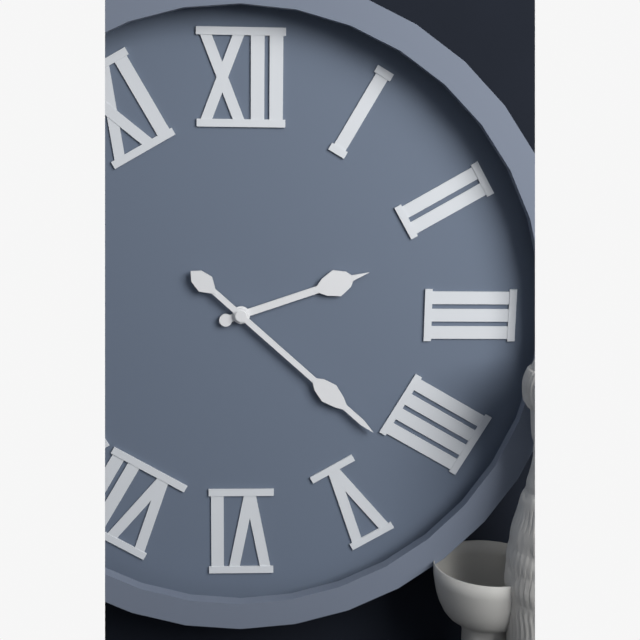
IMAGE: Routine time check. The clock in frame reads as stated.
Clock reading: 2:22
